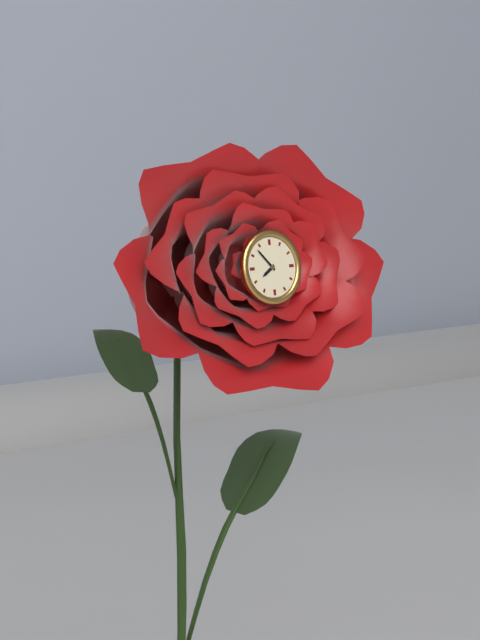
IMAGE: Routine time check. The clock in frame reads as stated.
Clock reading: 7:53
